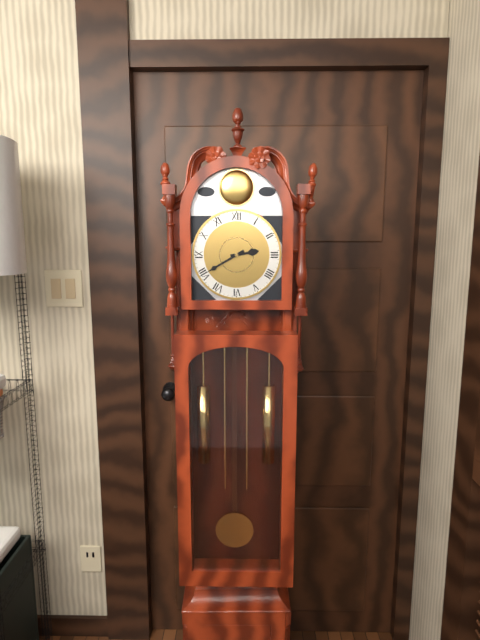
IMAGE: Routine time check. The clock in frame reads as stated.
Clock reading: 2:40
